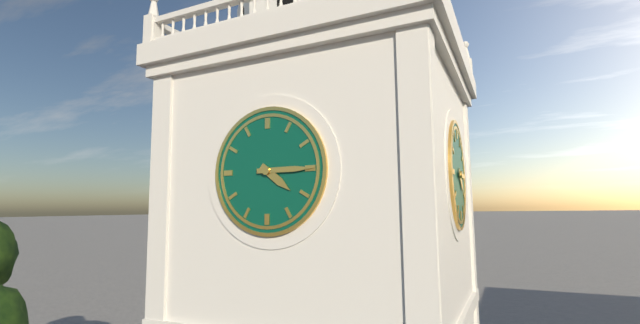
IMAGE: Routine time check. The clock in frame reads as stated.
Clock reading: 4:15
